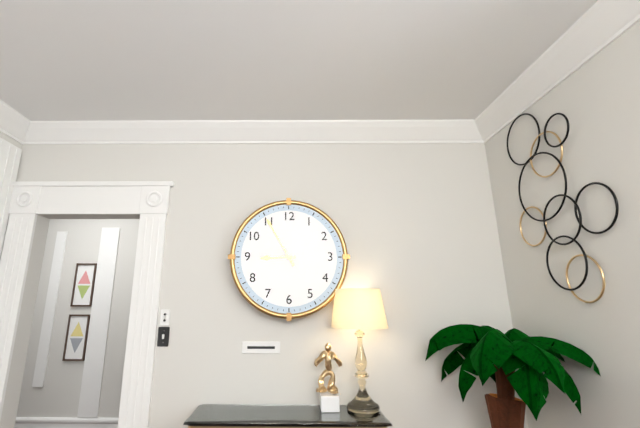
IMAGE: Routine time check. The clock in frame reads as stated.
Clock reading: 8:55
